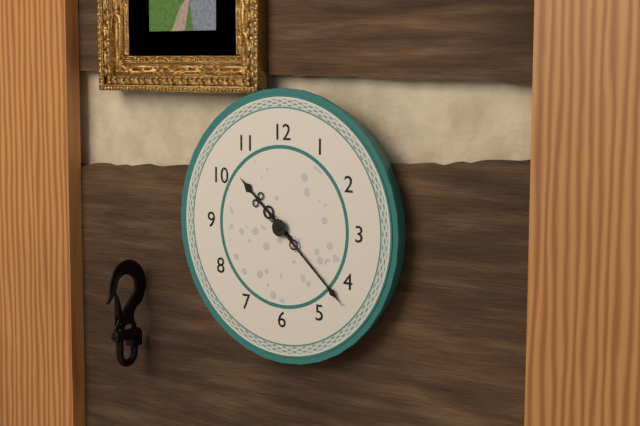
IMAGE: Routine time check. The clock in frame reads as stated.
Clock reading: 10:22
